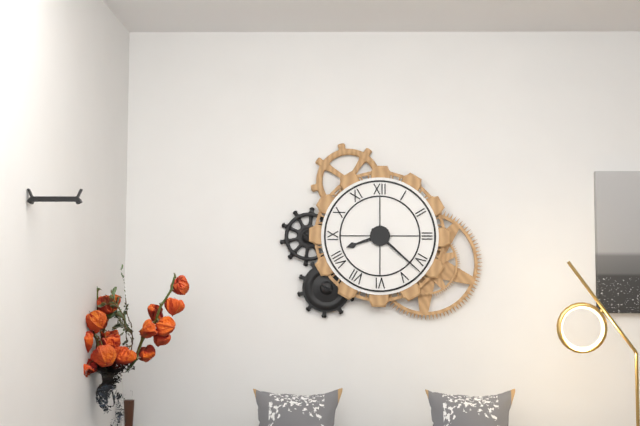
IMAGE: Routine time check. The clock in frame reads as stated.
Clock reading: 8:22
